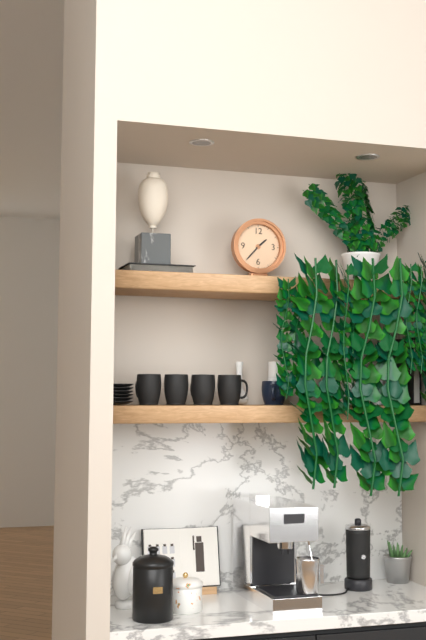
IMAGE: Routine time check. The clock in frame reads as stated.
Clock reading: 1:37
